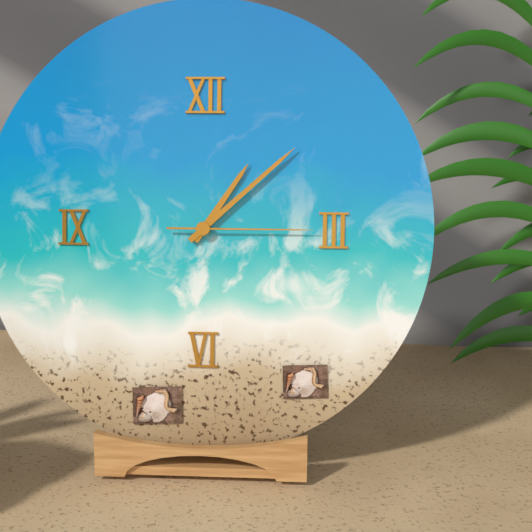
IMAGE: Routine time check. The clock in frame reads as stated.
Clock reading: 1:08:15
